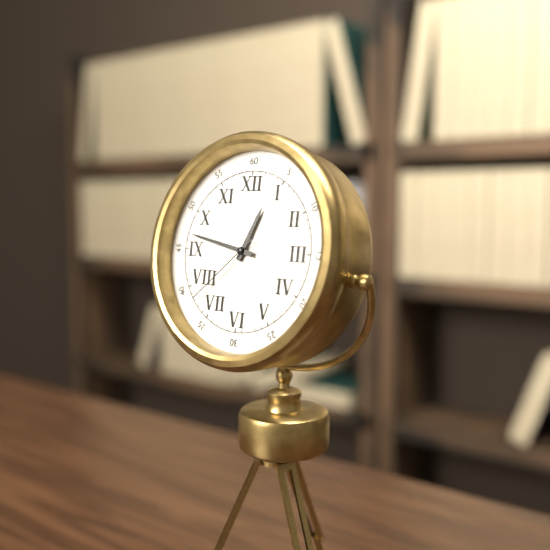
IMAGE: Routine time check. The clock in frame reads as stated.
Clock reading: 12:47:38
